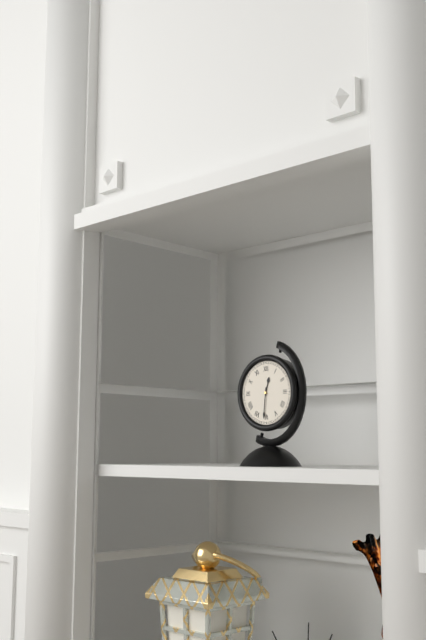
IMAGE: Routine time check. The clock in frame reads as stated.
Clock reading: 12:31
